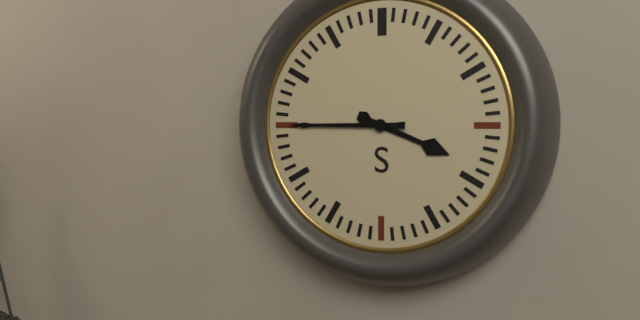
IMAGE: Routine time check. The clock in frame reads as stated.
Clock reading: 3:45
